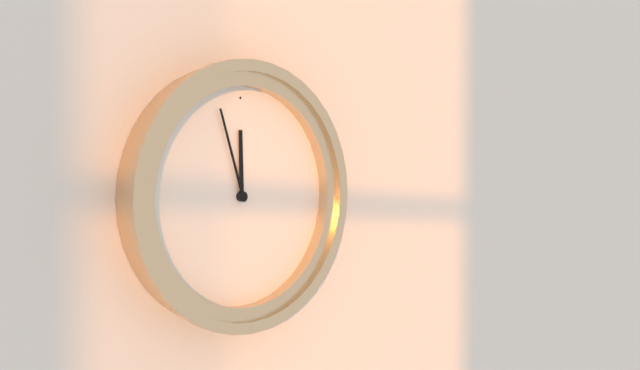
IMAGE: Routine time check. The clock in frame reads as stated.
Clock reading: 11:57
